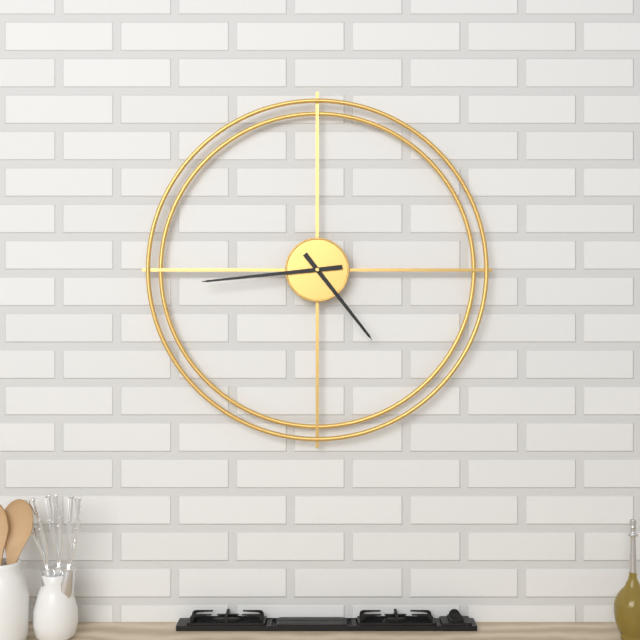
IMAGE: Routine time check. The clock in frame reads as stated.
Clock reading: 4:44
